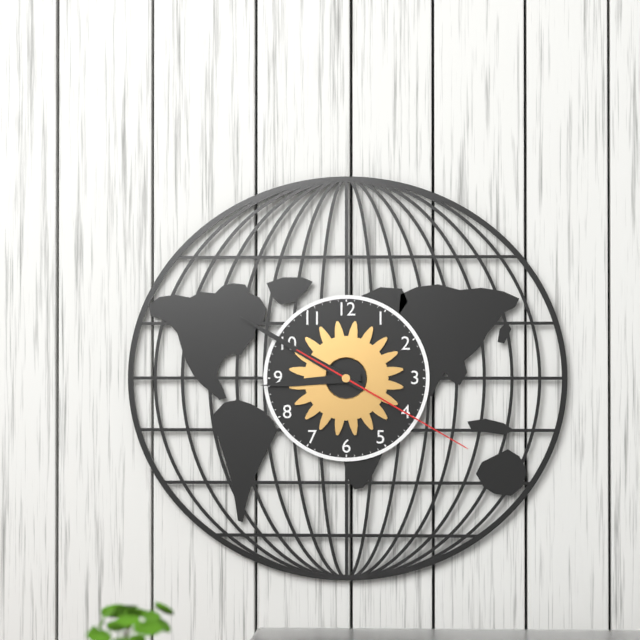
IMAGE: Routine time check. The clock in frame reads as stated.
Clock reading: 8:50:20
